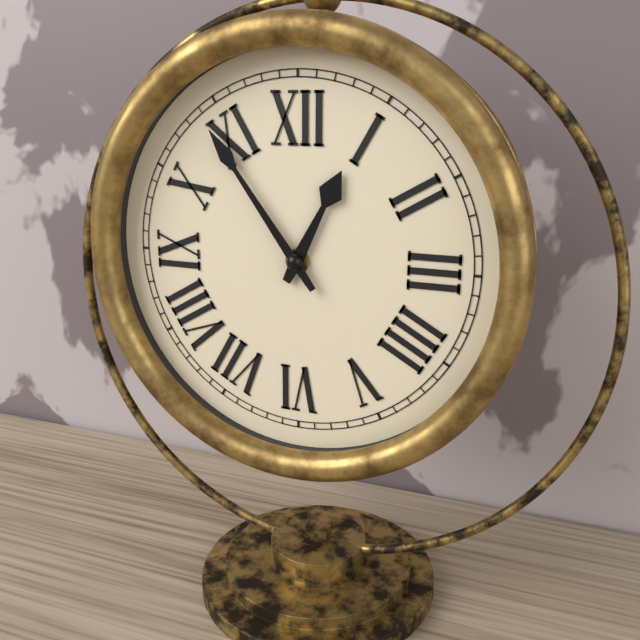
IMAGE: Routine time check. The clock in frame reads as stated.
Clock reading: 12:54
